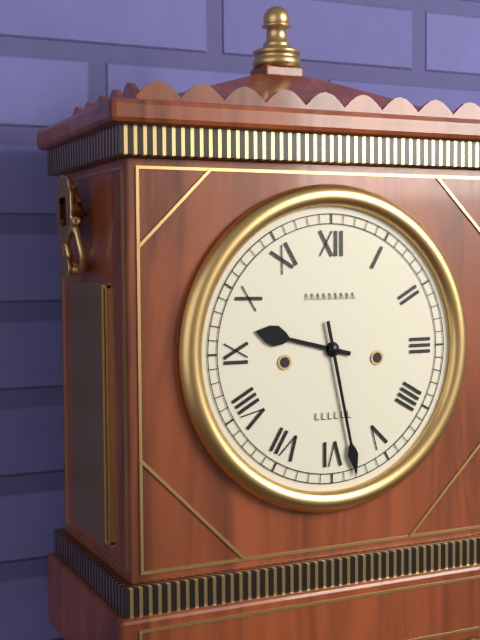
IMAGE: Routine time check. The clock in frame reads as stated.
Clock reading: 9:28
